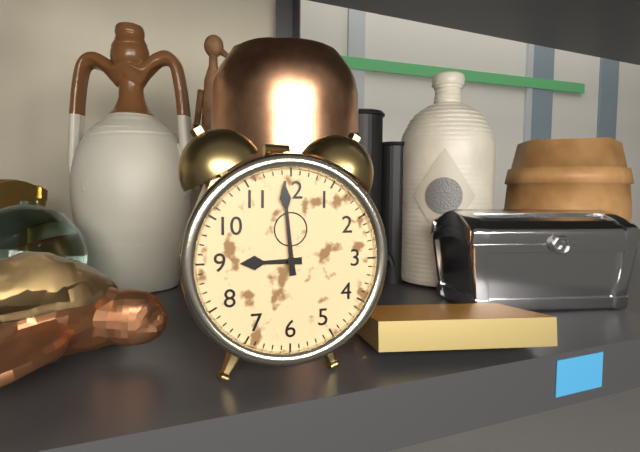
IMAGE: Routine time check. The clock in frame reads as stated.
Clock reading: 8:59
